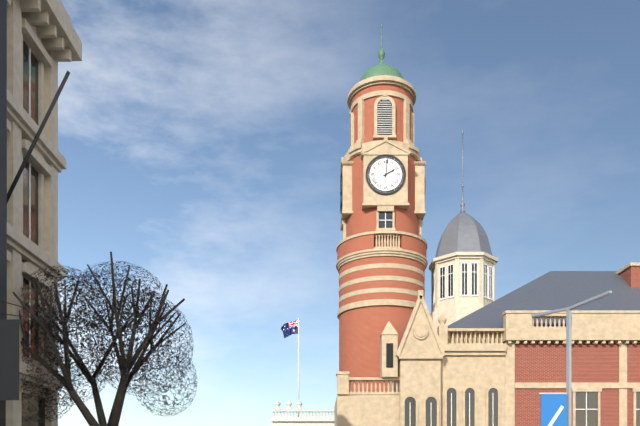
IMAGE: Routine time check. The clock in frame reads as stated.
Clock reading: 2:01
